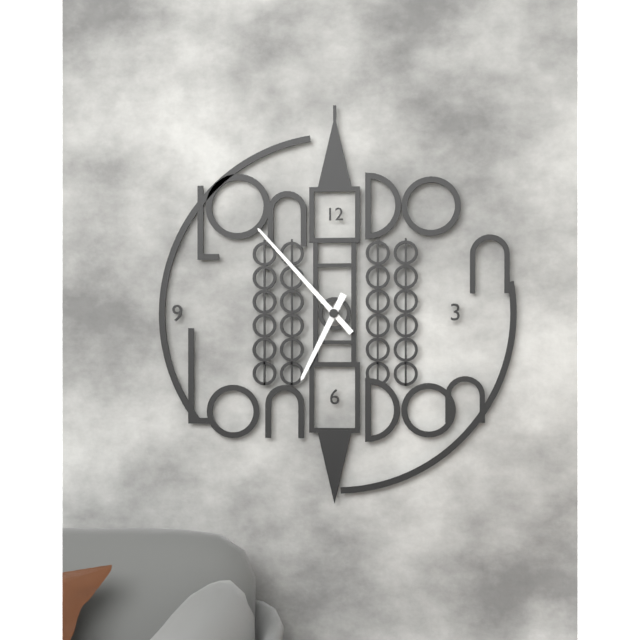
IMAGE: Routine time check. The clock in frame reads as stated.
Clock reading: 6:53
